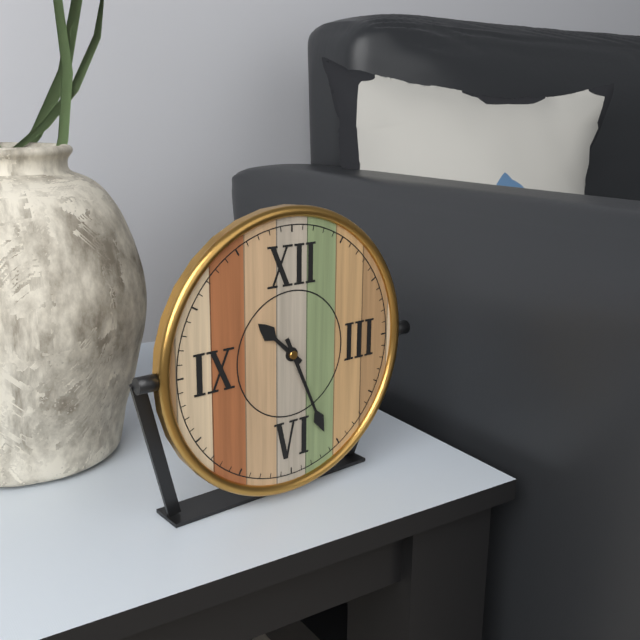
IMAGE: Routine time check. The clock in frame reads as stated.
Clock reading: 10:26
